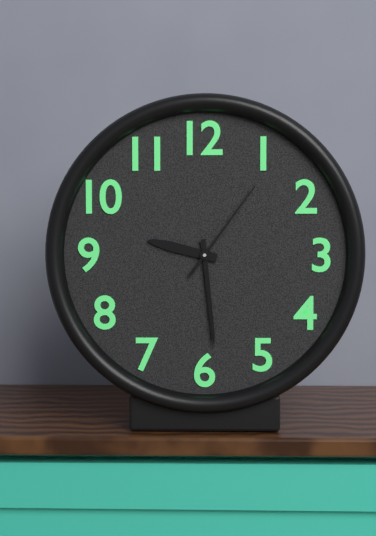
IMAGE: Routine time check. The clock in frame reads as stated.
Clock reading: 9:29:06
